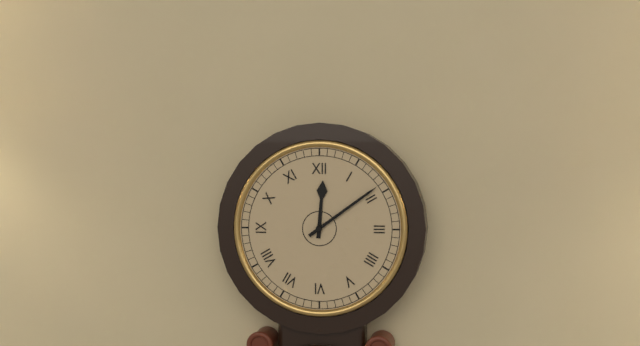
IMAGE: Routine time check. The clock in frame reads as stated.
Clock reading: 12:09
